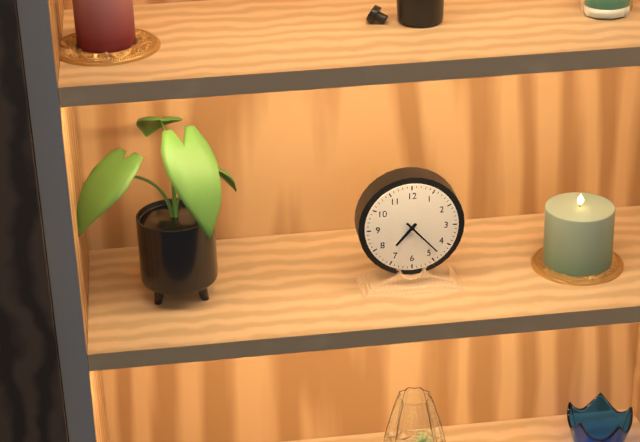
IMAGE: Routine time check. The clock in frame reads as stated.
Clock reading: 7:23
